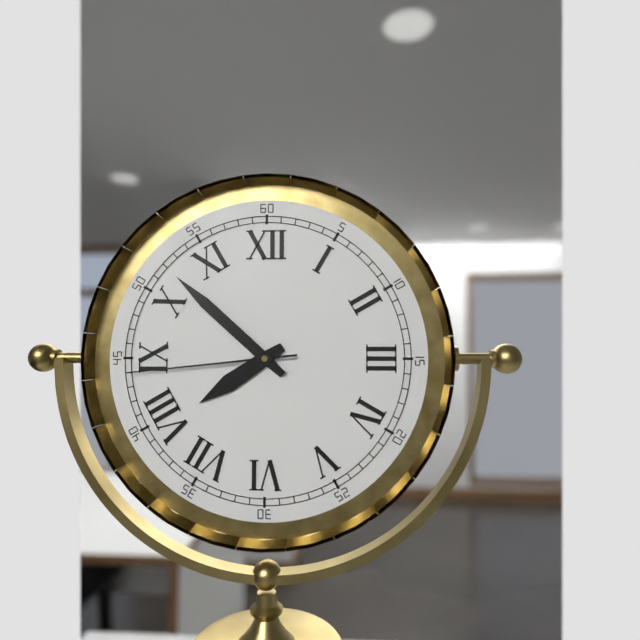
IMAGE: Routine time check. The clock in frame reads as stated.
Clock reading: 7:52:44
